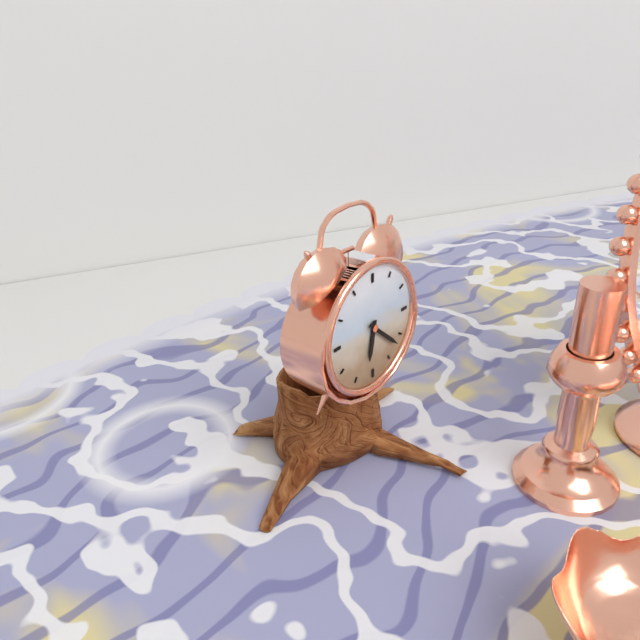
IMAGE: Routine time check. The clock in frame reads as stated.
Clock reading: 6:22
